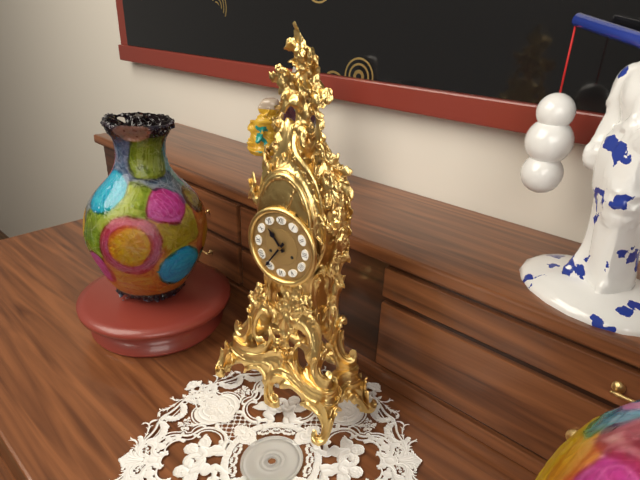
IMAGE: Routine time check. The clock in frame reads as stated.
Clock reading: 10:36
